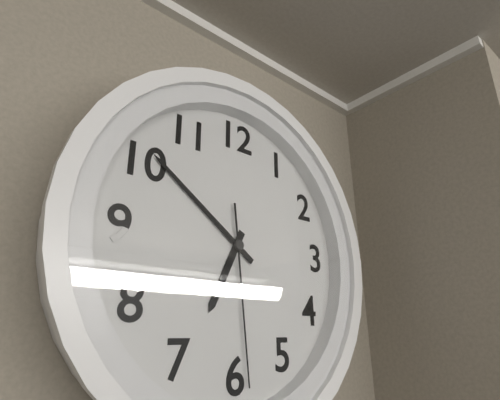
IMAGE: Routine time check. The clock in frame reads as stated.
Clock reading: 6:51:29
